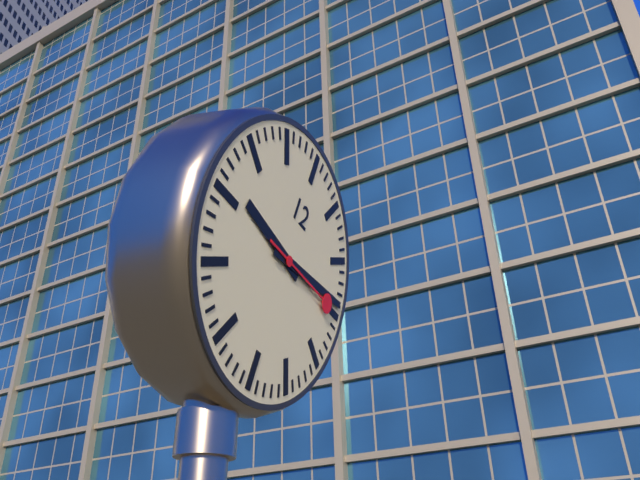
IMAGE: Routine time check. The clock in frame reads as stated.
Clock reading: 9:14:15
